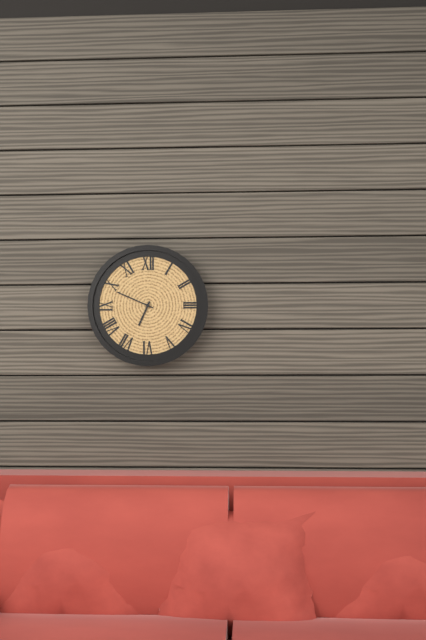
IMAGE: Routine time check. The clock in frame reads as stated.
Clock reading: 6:49
